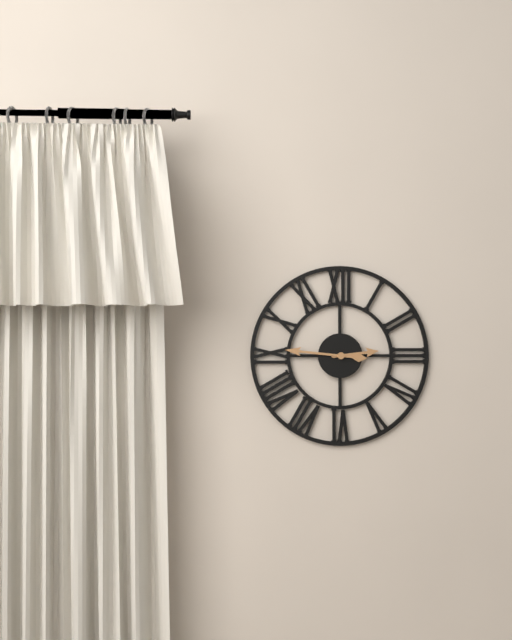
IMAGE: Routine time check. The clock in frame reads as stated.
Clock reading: 2:46
